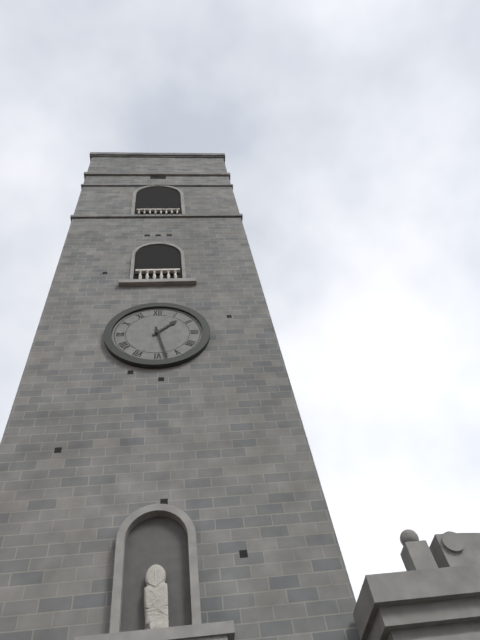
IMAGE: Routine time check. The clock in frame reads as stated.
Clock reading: 1:28
